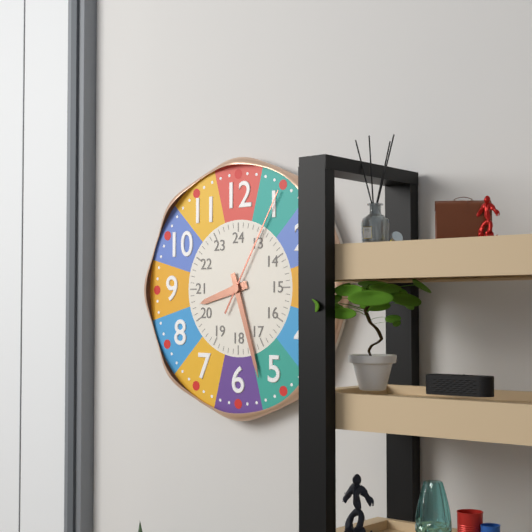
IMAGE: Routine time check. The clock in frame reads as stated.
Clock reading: 8:27:05
